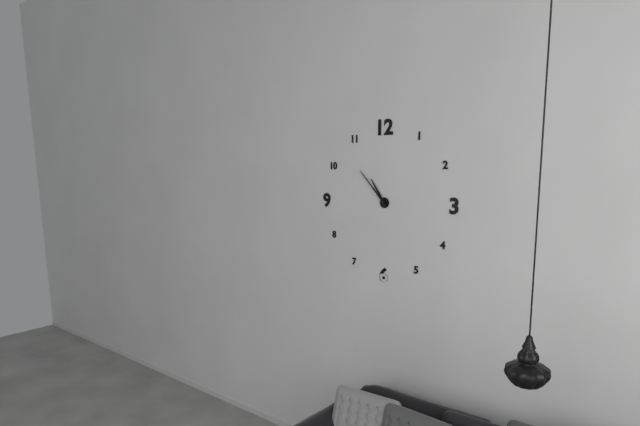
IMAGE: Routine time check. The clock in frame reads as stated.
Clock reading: 10:53
